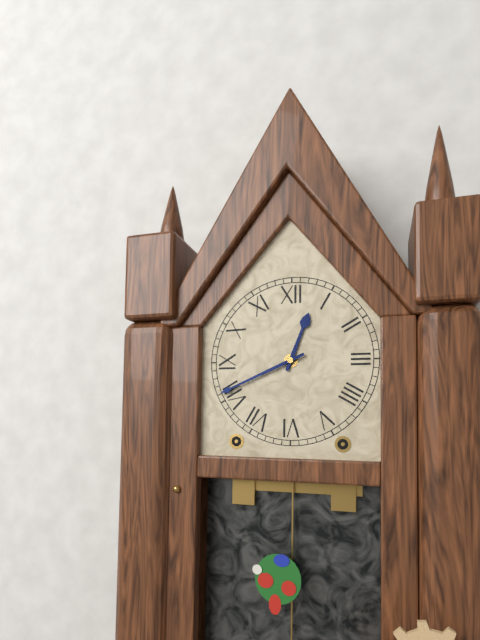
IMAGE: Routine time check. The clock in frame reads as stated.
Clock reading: 12:41
